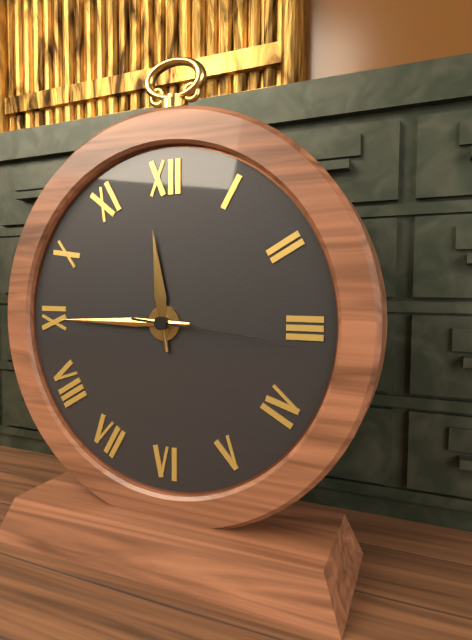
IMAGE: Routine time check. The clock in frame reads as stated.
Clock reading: 11:45:16
